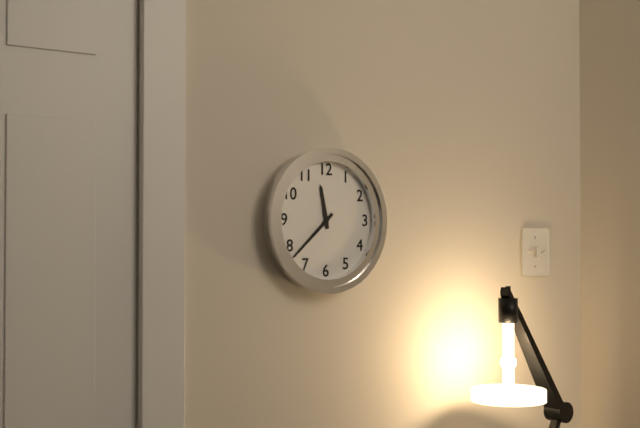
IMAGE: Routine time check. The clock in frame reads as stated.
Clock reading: 11:38
